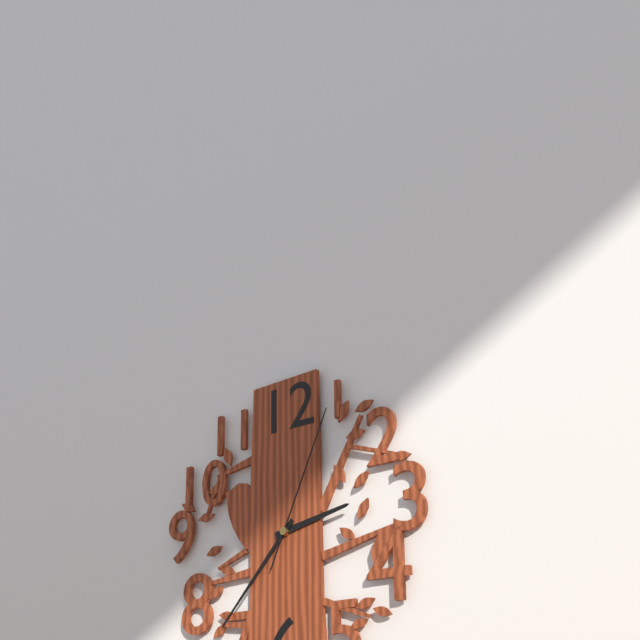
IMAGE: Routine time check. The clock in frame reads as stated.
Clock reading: 2:37:04
